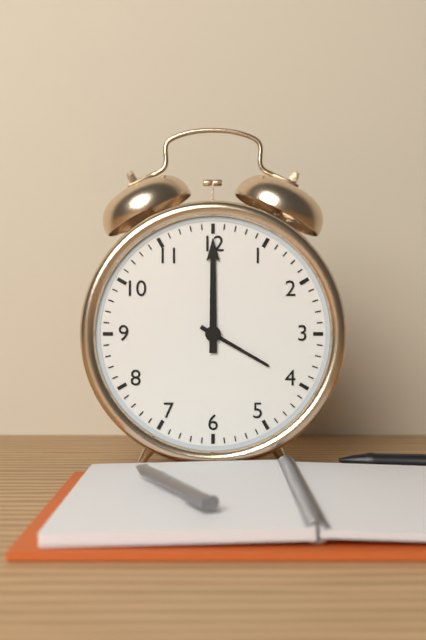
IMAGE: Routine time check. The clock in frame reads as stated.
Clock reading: 4:00
